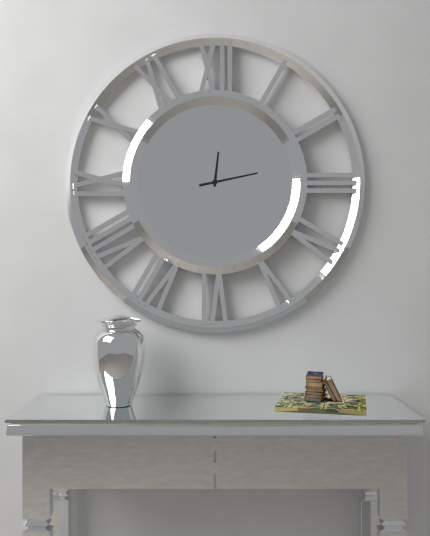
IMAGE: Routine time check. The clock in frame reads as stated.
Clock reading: 12:13
